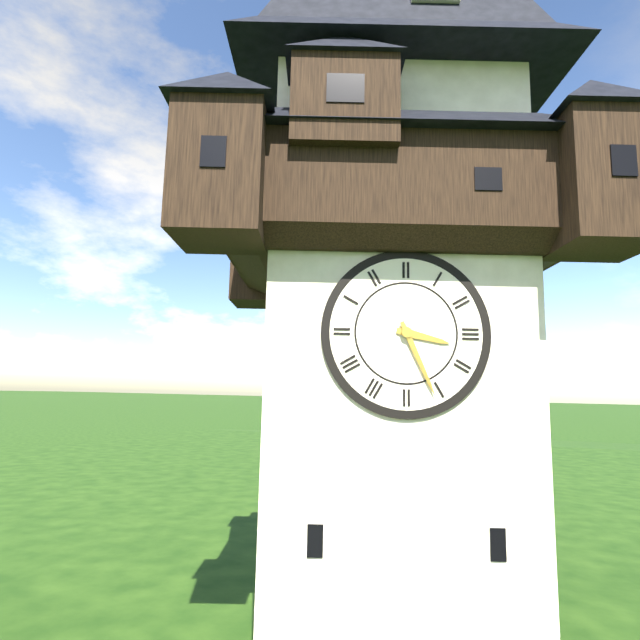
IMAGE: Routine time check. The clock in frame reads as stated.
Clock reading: 3:26
